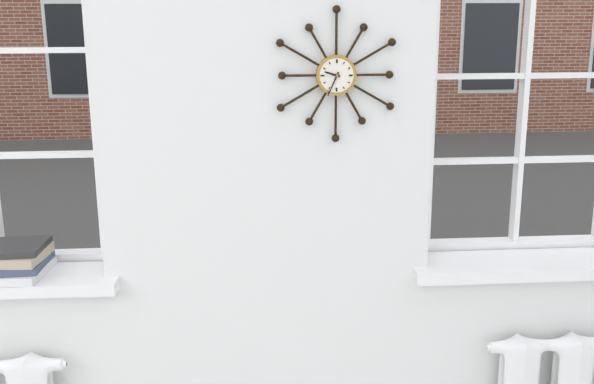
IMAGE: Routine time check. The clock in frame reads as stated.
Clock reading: 9:34
